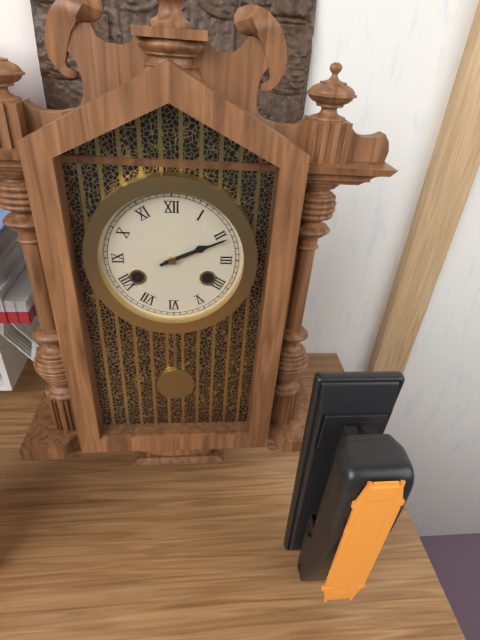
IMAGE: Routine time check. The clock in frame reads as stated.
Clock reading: 2:11
